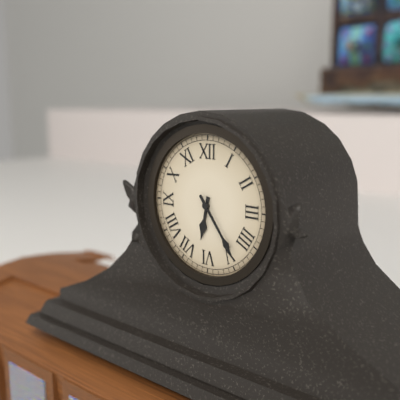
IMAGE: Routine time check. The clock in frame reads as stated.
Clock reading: 6:24
